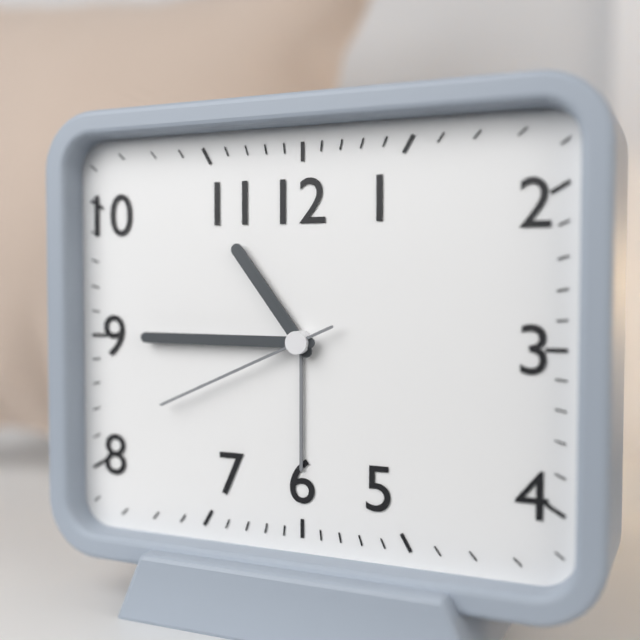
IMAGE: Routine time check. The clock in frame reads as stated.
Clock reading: 10:45:41
